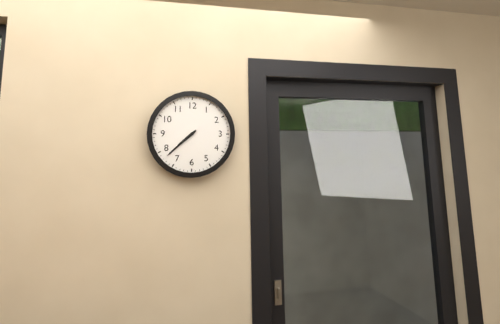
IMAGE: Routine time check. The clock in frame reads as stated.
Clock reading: 7:38
